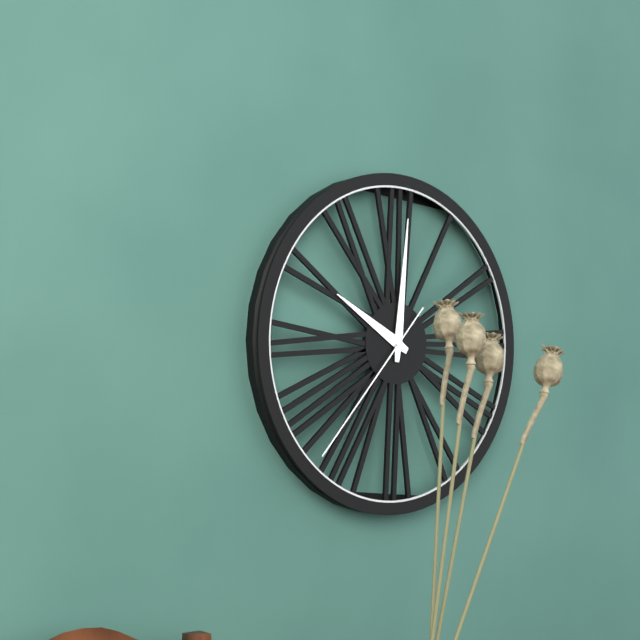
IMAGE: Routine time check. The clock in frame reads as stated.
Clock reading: 10:01:37
